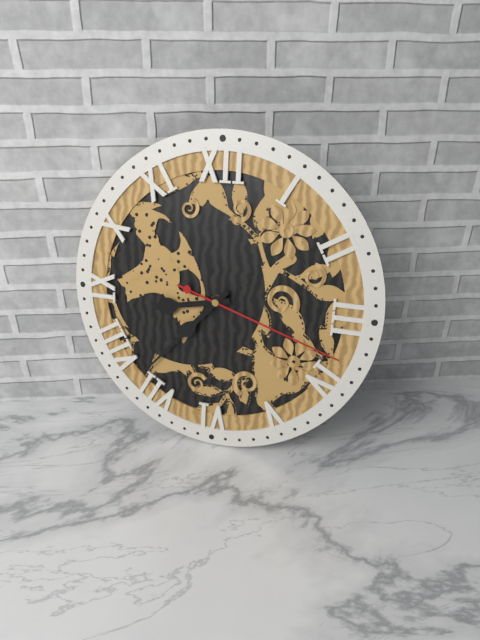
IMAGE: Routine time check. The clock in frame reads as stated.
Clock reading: 8:37:18
